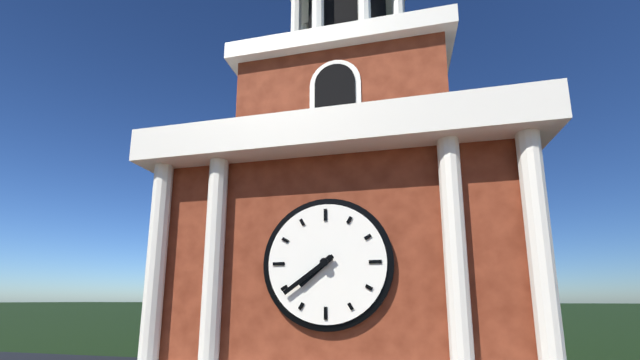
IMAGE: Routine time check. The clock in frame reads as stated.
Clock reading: 7:39
